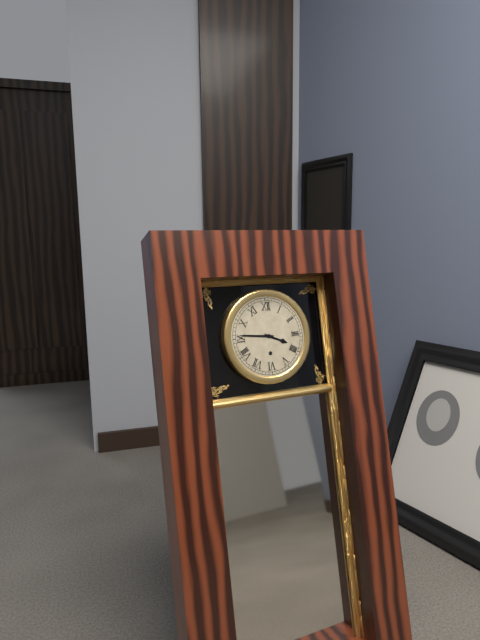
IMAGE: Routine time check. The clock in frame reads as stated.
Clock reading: 3:46
